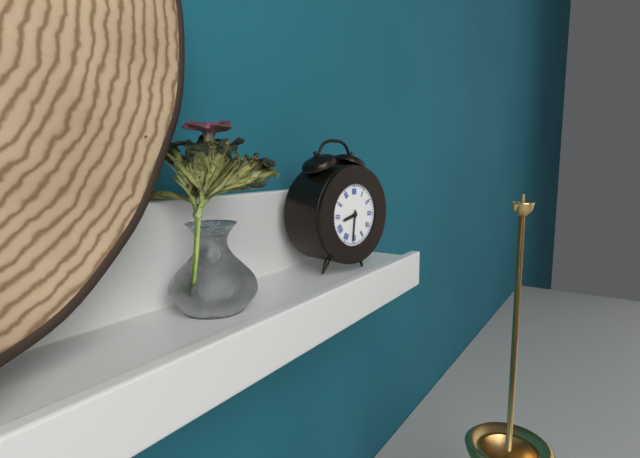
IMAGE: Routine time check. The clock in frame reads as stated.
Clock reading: 8:31
